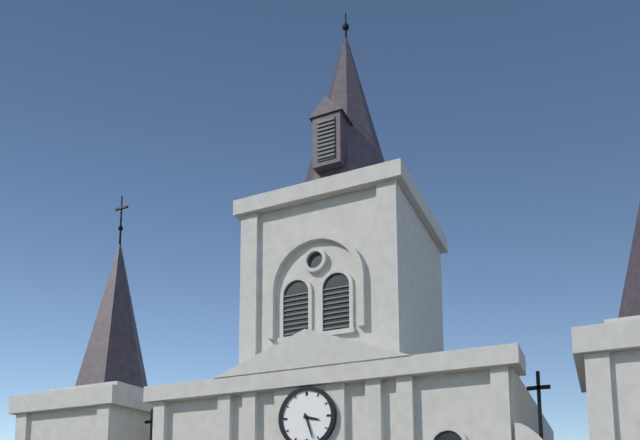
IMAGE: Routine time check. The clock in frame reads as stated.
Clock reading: 3:27
